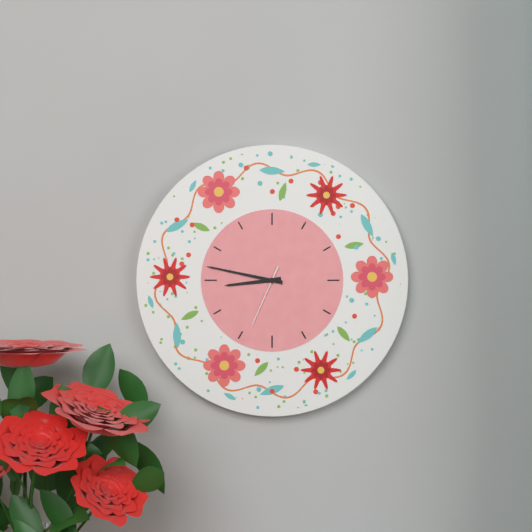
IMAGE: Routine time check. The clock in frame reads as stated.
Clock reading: 8:47:34
